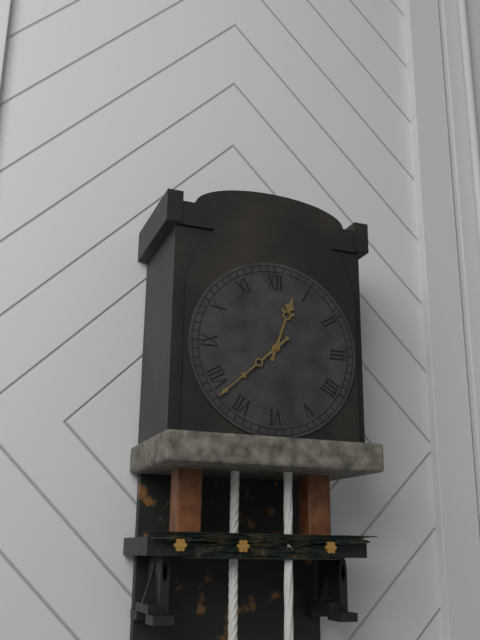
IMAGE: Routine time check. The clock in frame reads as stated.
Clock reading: 12:38
